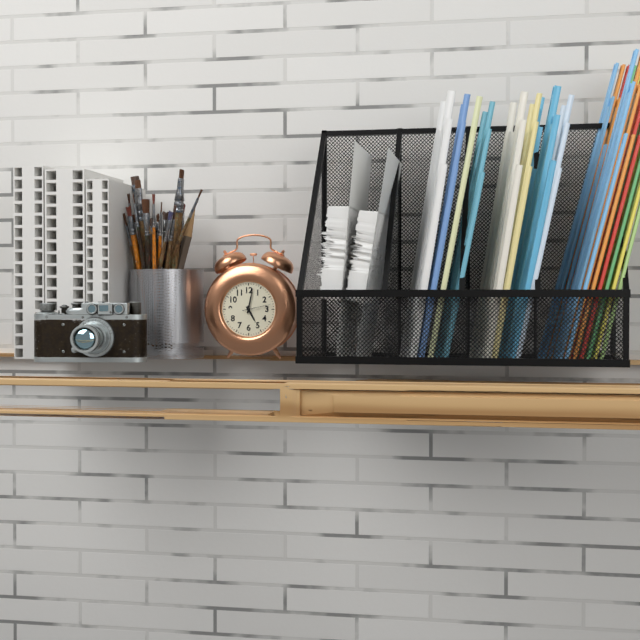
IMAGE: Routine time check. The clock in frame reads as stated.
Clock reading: 5:02
